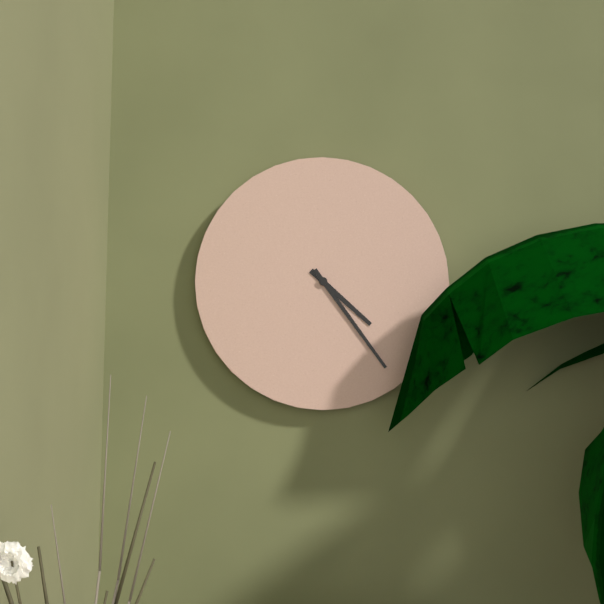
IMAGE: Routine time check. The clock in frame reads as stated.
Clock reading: 4:24
